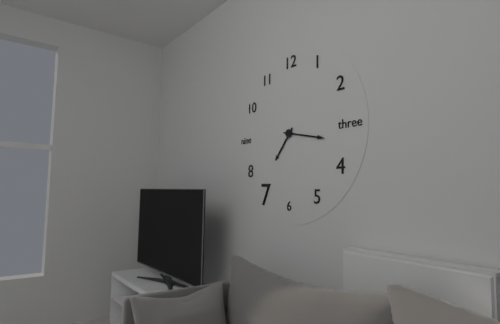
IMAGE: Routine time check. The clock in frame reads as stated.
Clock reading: 7:17
